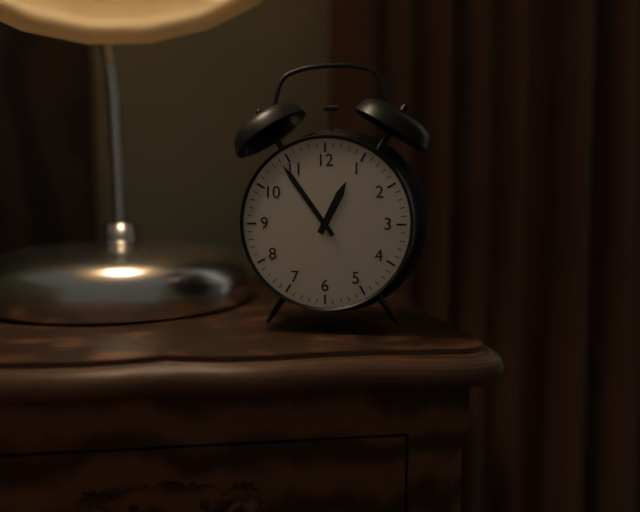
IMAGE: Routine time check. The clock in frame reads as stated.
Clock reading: 12:54
